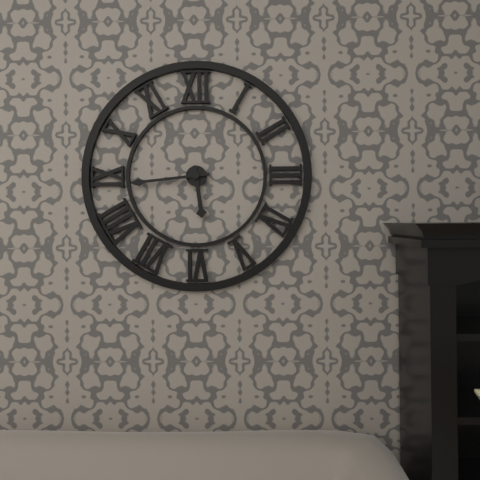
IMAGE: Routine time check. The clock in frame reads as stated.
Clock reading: 5:44
